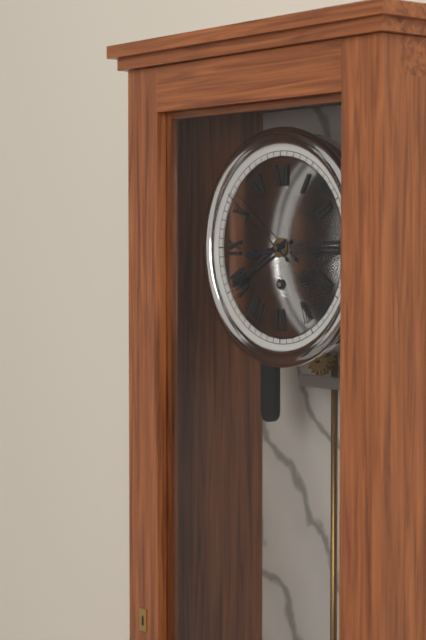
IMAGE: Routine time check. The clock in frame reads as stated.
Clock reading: 8:40:51
